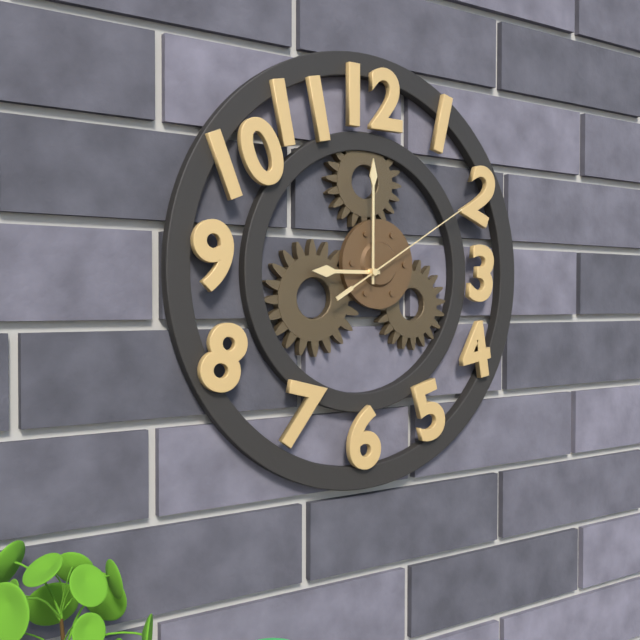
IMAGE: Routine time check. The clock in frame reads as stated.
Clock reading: 9:00:10
